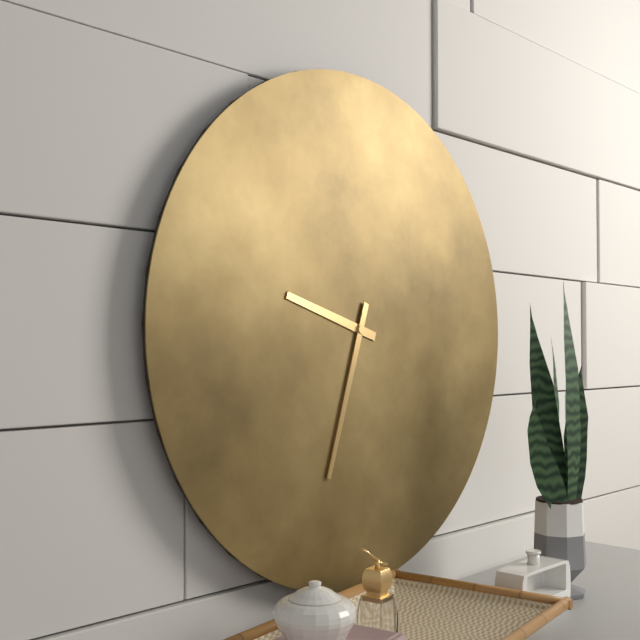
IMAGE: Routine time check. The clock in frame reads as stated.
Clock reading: 9:33
